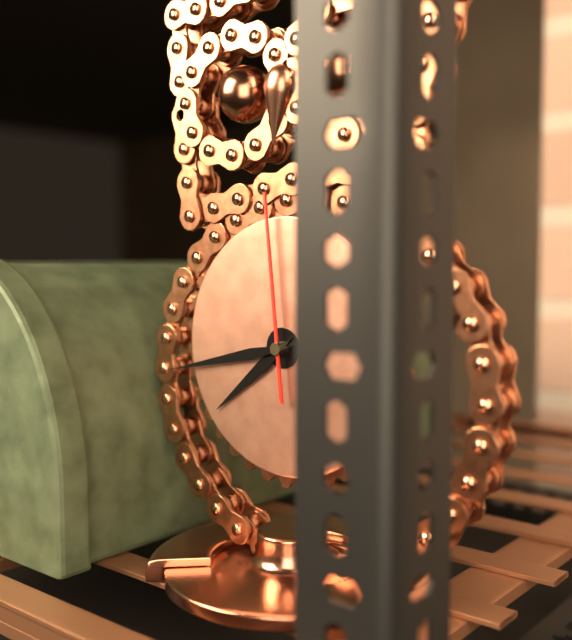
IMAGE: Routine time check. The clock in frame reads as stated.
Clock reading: 7:43:59
